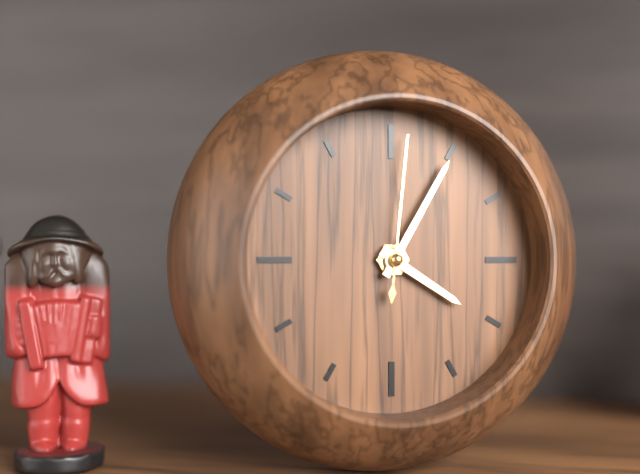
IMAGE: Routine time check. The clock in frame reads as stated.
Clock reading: 4:05:01
